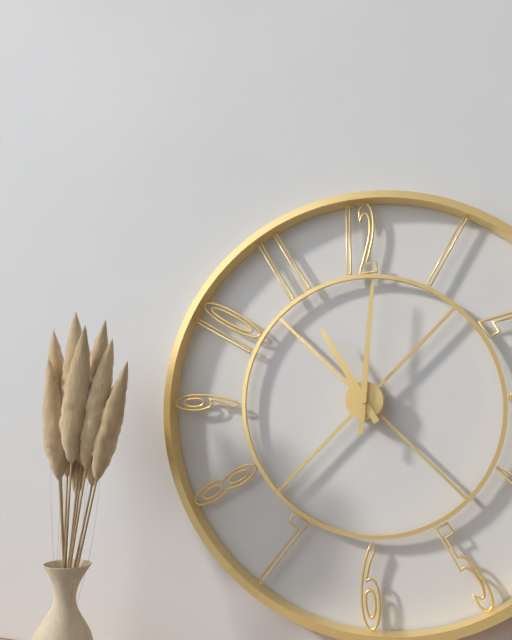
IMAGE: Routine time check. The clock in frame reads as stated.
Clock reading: 11:01
